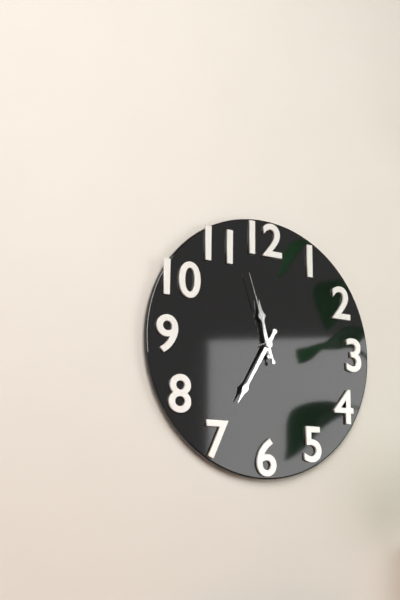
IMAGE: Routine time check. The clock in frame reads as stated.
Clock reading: 11:35:57
